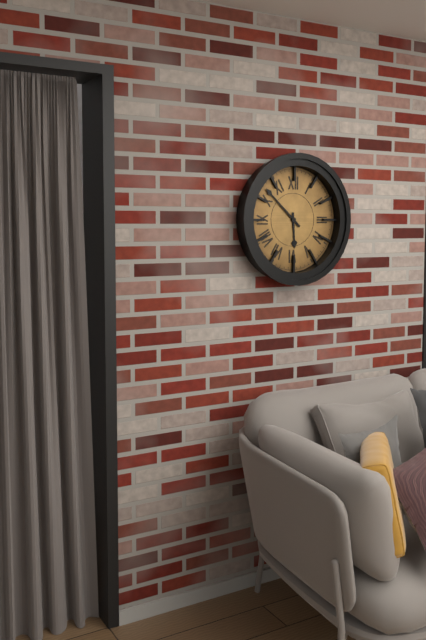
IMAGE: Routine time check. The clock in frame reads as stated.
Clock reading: 5:52
